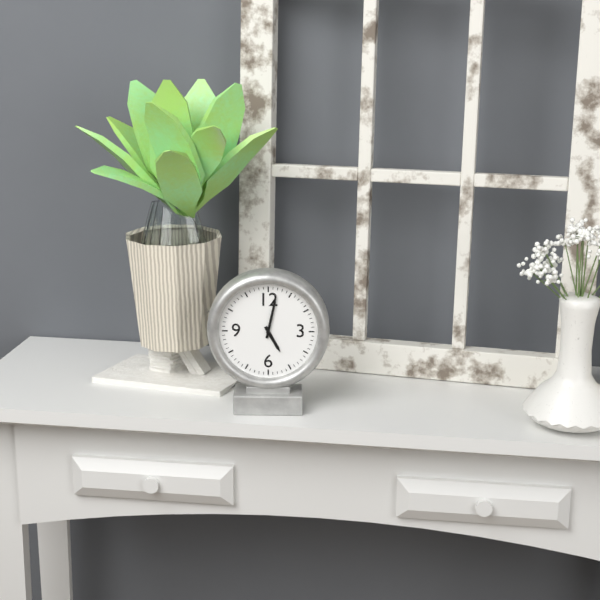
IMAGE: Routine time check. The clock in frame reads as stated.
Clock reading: 5:02
